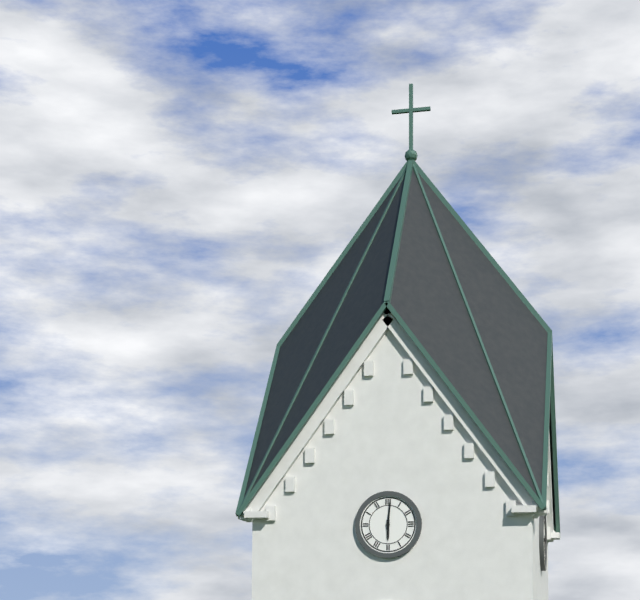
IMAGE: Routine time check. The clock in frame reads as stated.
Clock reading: 6:01
